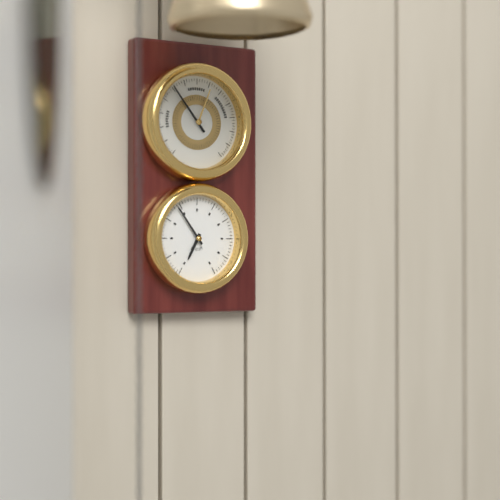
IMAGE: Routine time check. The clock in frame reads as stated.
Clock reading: 6:54
